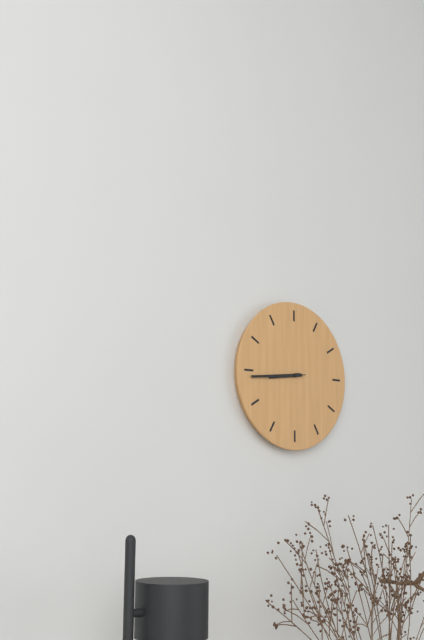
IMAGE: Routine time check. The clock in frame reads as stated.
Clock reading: 8:44
